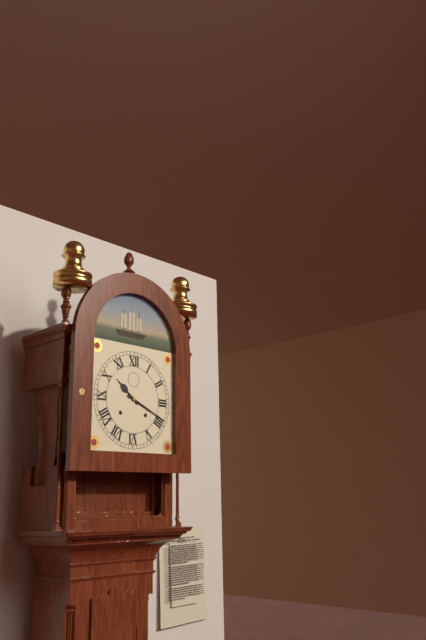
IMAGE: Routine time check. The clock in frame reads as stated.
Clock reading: 10:19
